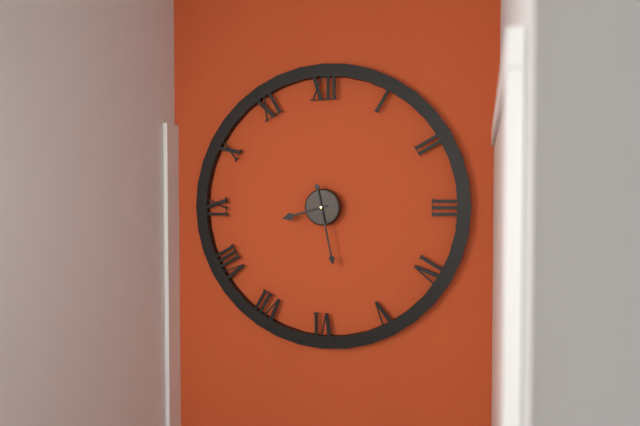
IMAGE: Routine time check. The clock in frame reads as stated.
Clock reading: 8:28
